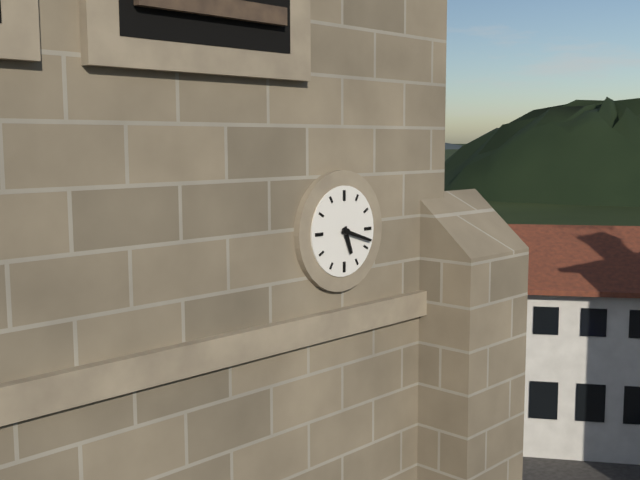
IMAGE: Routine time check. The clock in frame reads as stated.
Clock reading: 5:18
